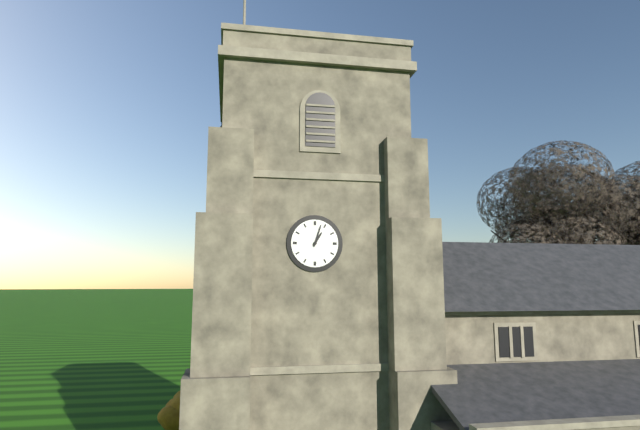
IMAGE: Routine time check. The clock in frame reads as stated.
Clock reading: 1:03
